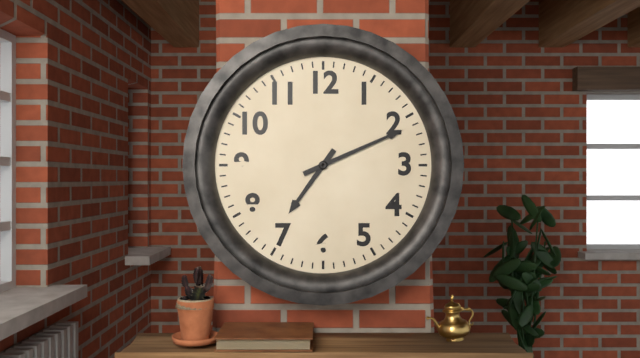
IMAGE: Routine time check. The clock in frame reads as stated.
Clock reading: 7:11
